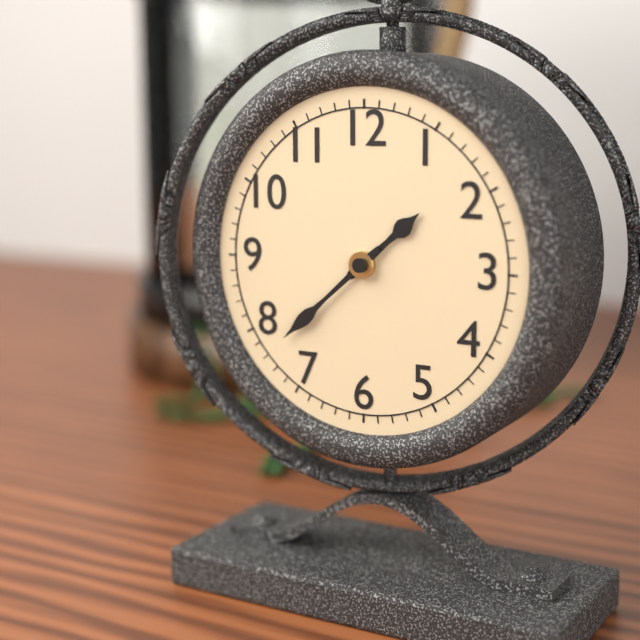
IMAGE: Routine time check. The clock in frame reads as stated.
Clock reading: 1:38
